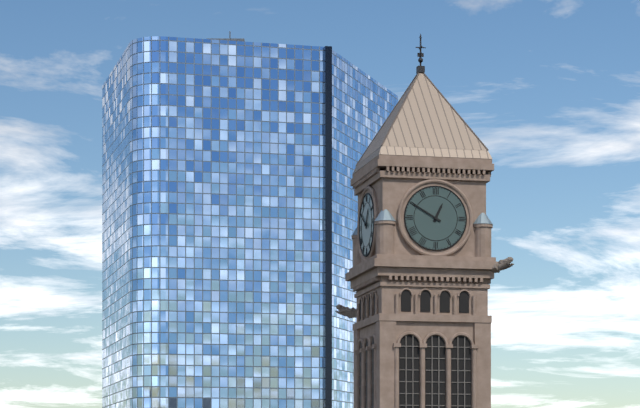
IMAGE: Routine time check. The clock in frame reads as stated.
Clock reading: 12:50
